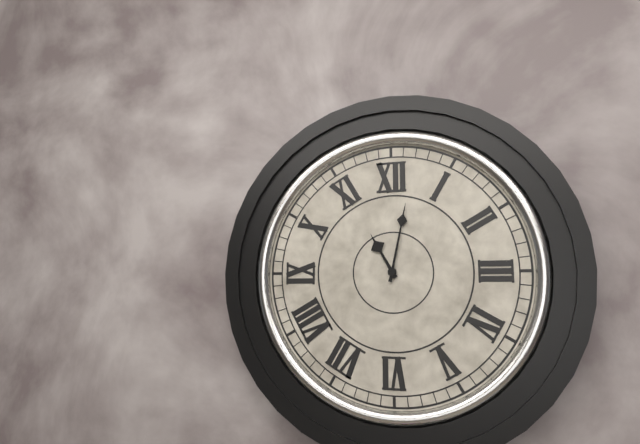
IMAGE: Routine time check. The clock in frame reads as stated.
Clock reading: 11:02
